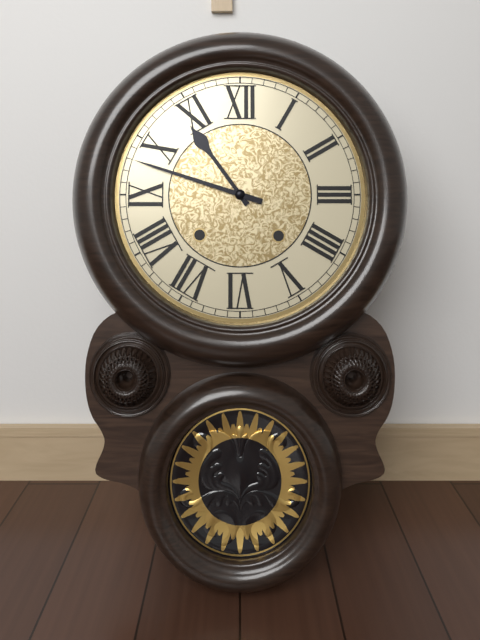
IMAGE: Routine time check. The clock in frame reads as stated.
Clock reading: 10:48
